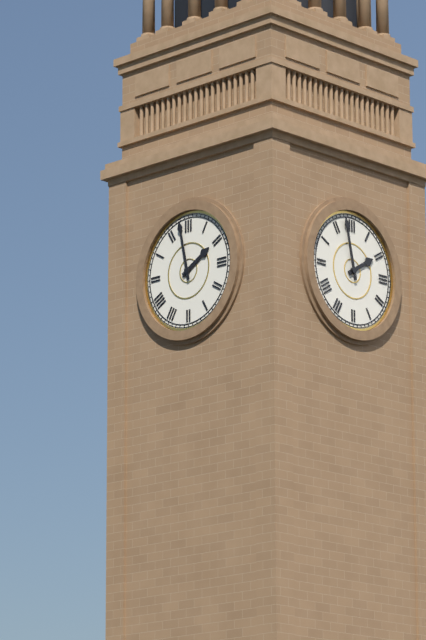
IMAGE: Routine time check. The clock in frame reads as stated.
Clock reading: 1:58
